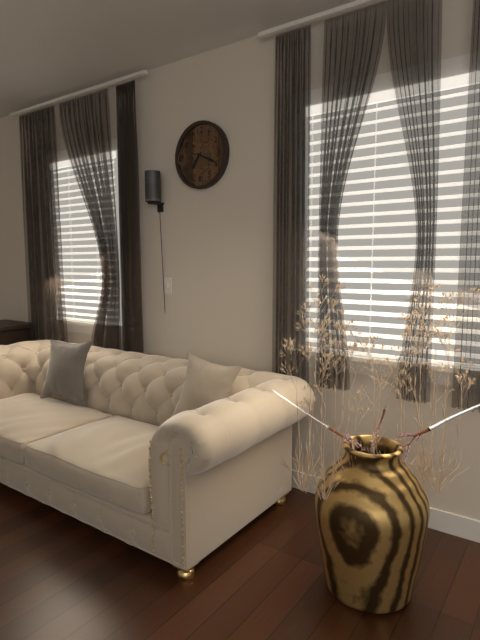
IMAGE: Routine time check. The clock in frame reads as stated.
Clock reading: 7:19
